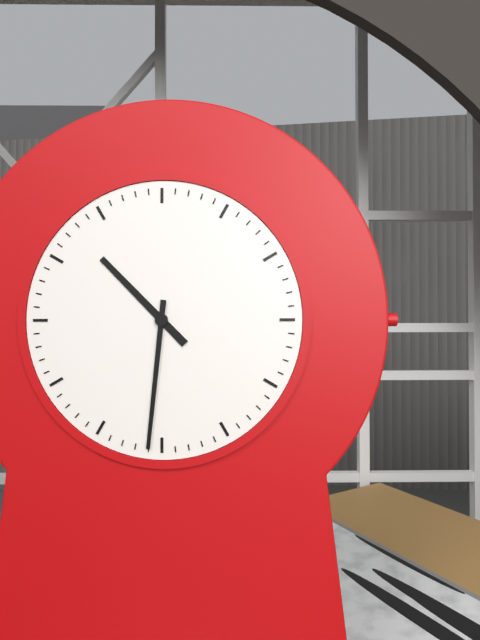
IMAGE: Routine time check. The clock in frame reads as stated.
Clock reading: 10:31
